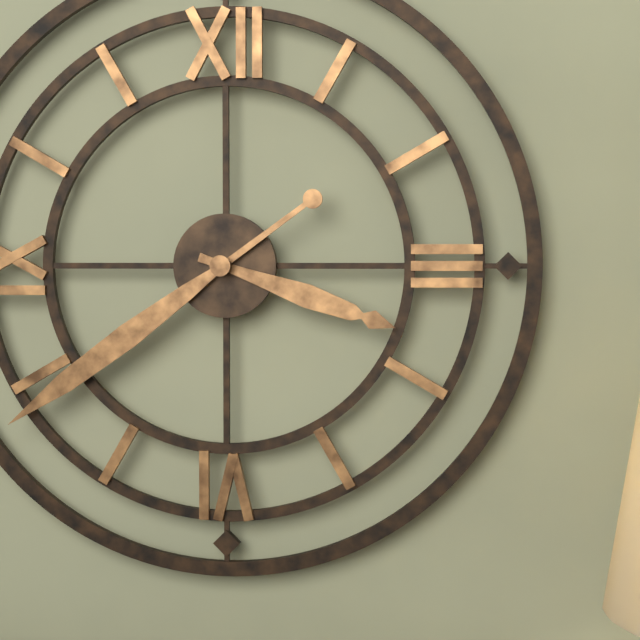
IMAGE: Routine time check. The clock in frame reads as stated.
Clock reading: 3:39
